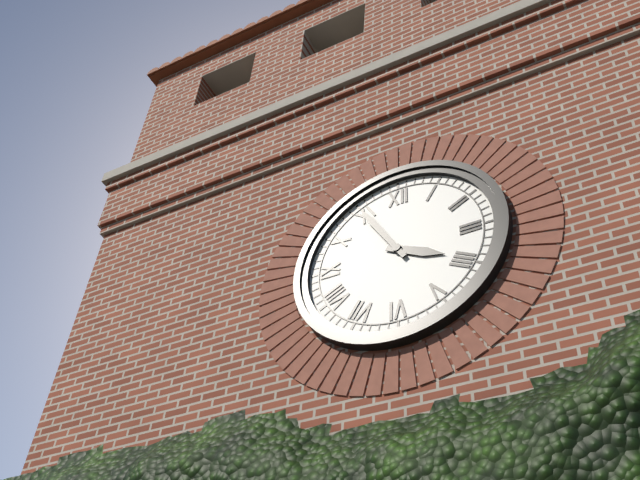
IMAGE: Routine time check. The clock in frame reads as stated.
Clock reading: 3:55
